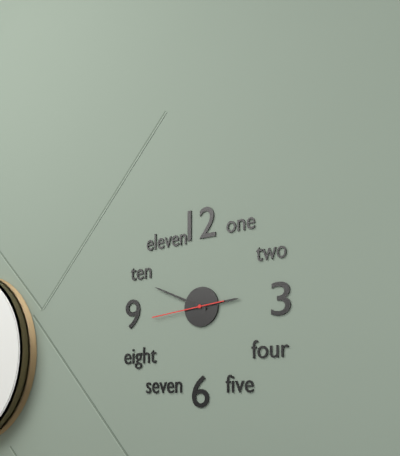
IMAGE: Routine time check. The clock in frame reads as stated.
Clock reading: 2:49:44
